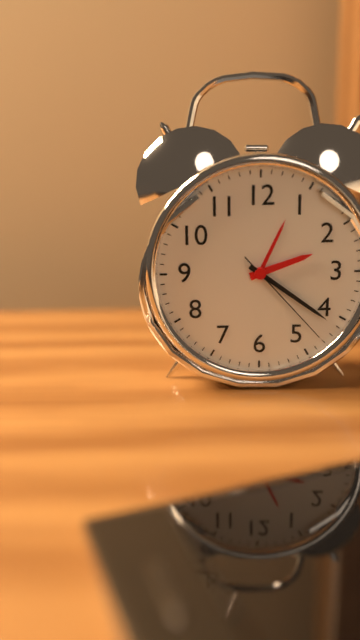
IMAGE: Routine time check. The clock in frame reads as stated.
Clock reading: 2:21:23
